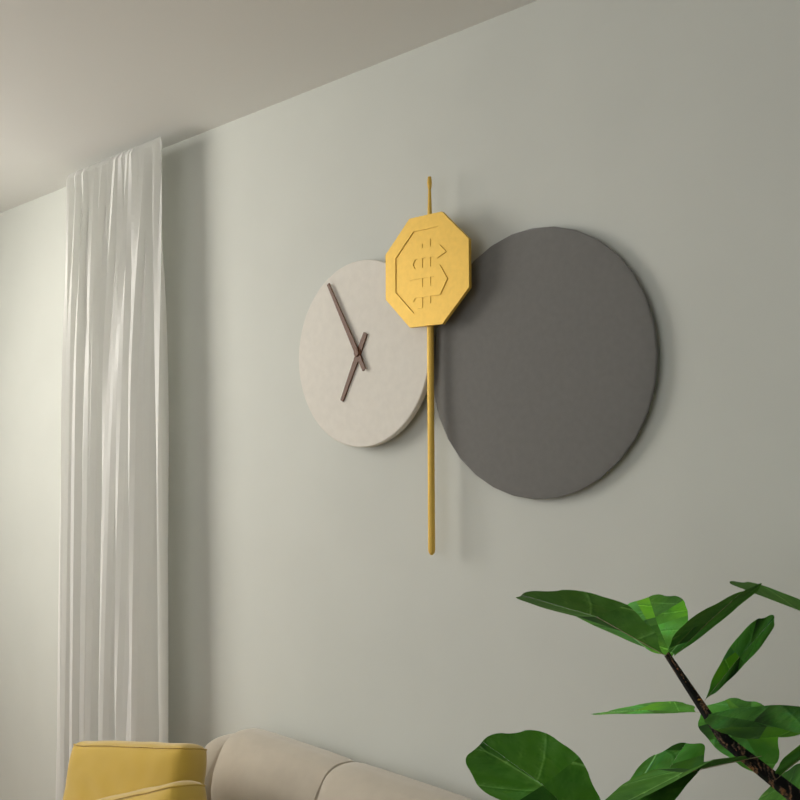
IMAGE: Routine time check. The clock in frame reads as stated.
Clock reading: 6:55
